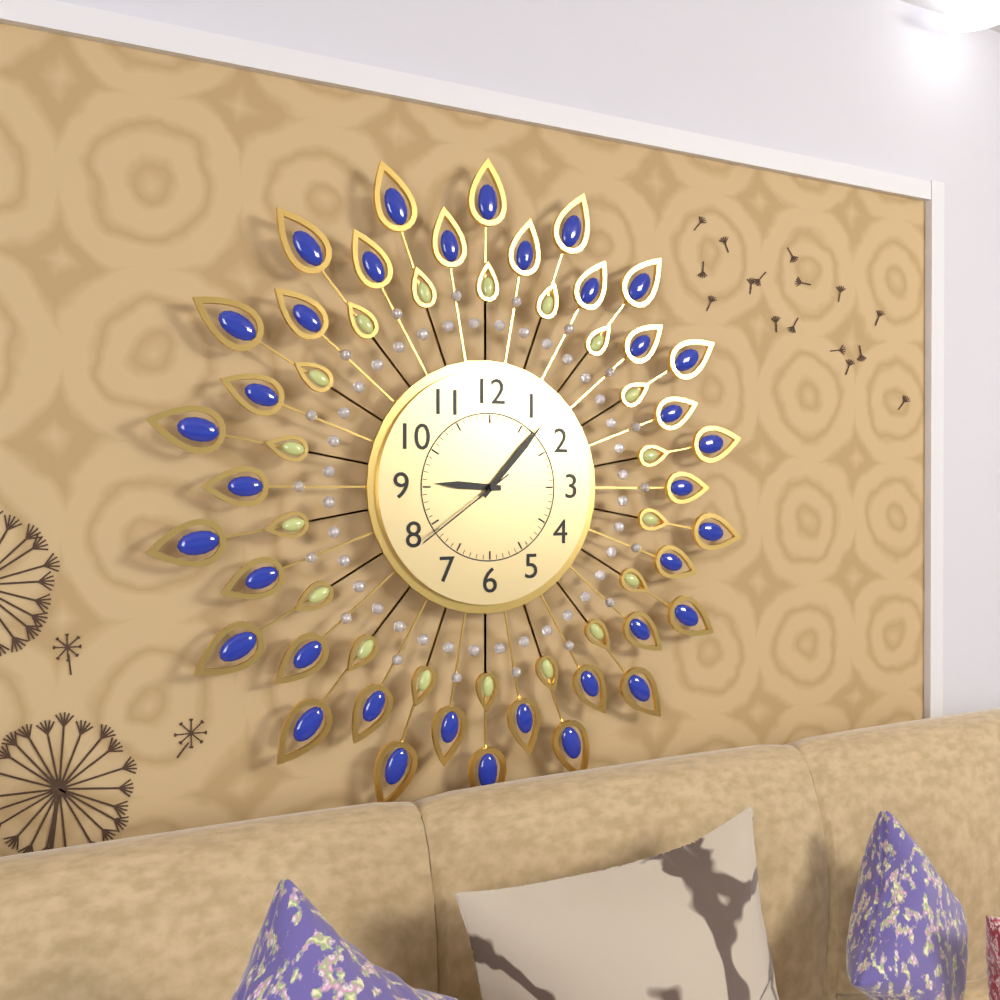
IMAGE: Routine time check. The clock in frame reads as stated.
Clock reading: 9:07:39
